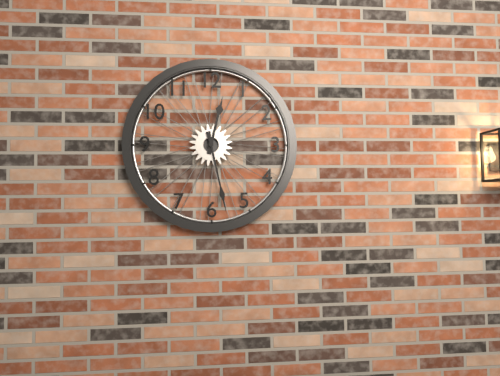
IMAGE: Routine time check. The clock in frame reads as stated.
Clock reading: 12:28
